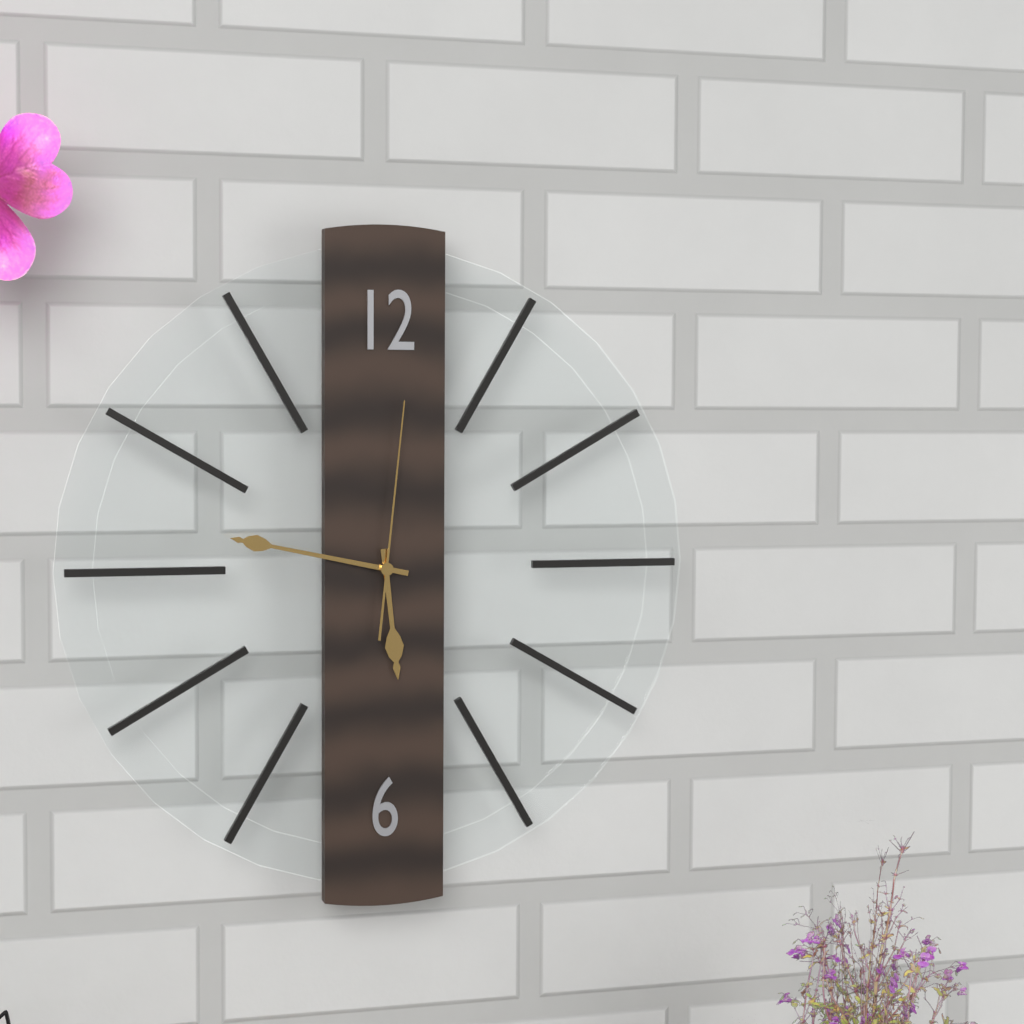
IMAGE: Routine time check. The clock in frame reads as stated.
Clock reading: 5:47:01
